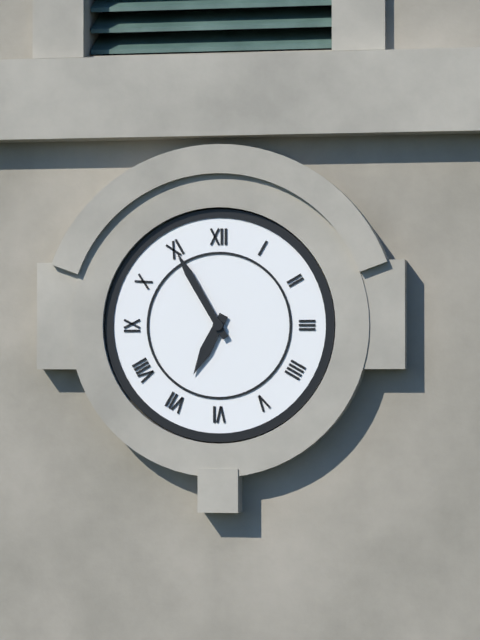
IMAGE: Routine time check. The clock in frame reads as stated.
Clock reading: 6:55
